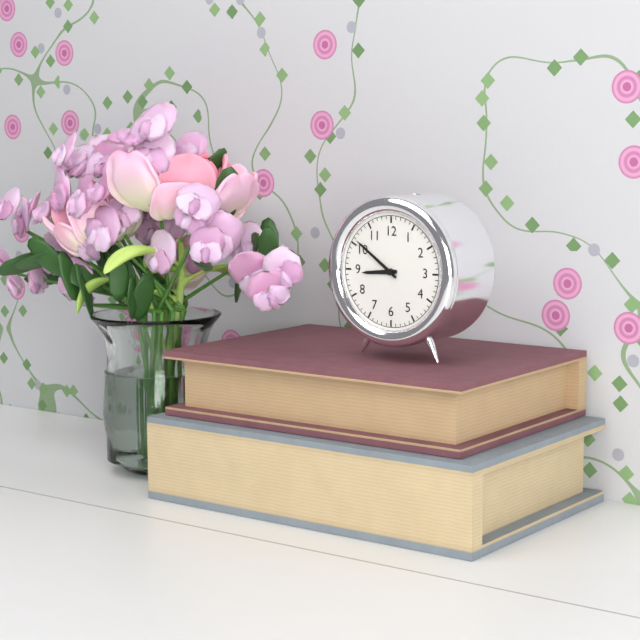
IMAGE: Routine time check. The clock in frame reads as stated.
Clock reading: 8:51
